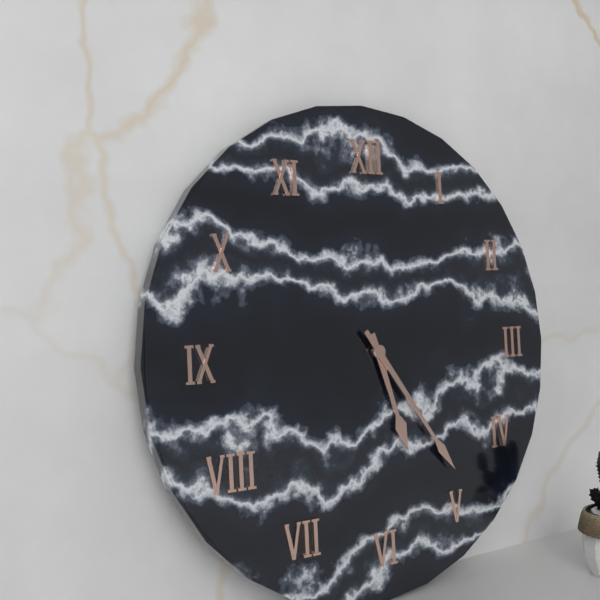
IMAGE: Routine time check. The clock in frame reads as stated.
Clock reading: 5:24
